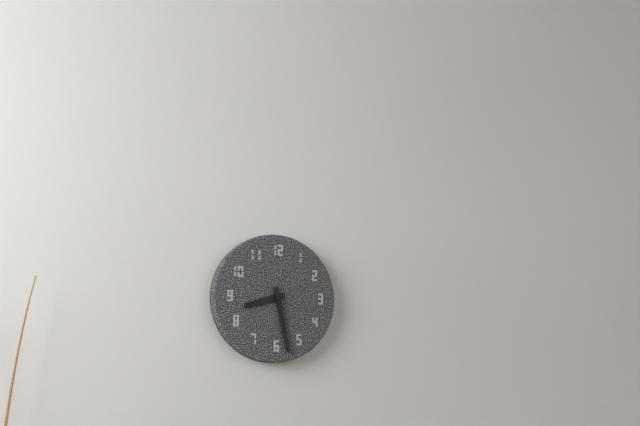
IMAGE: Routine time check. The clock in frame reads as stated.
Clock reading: 8:28
